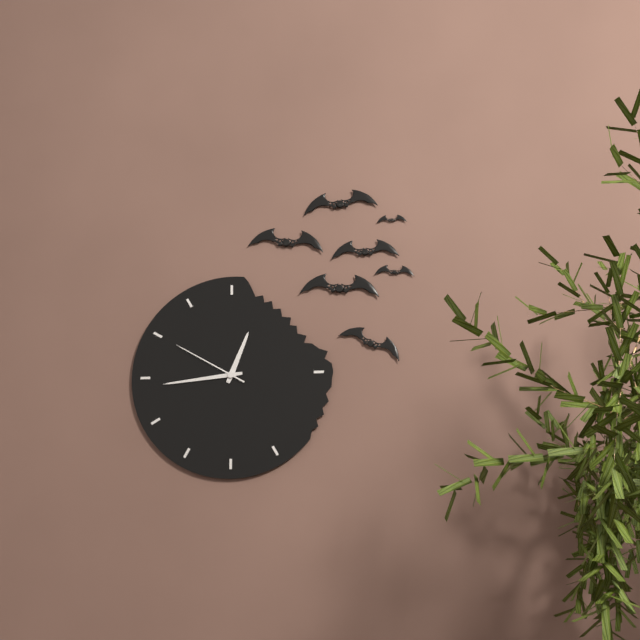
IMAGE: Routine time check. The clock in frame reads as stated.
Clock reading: 12:44:50
